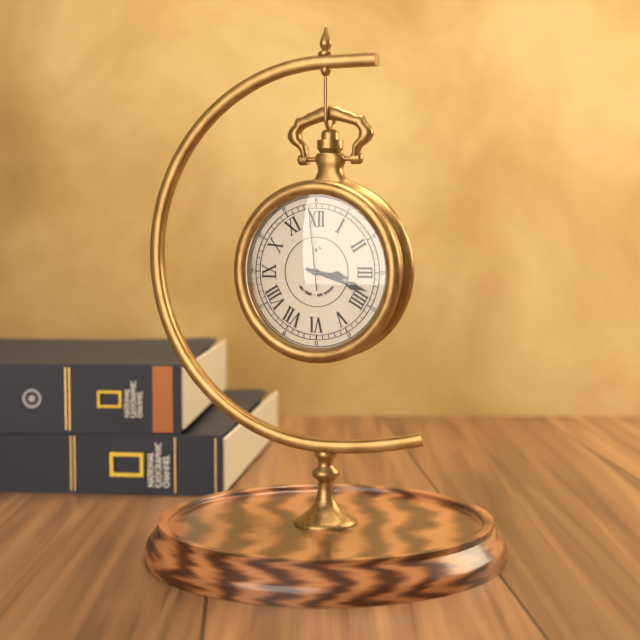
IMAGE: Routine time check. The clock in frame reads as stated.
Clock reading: 3:18:59
